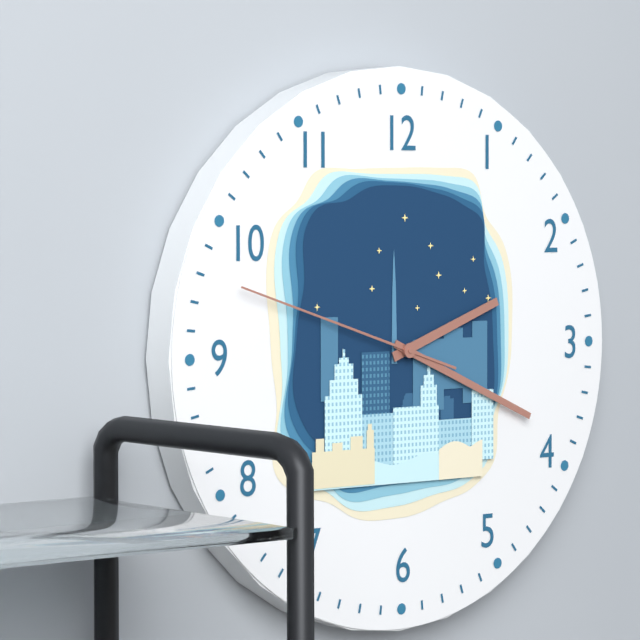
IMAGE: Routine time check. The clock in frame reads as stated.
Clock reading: 2:19:48
